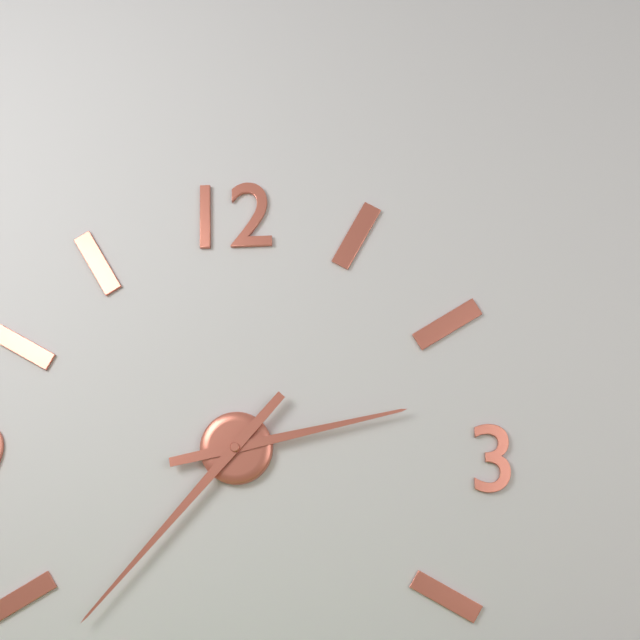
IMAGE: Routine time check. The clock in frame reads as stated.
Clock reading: 2:37
